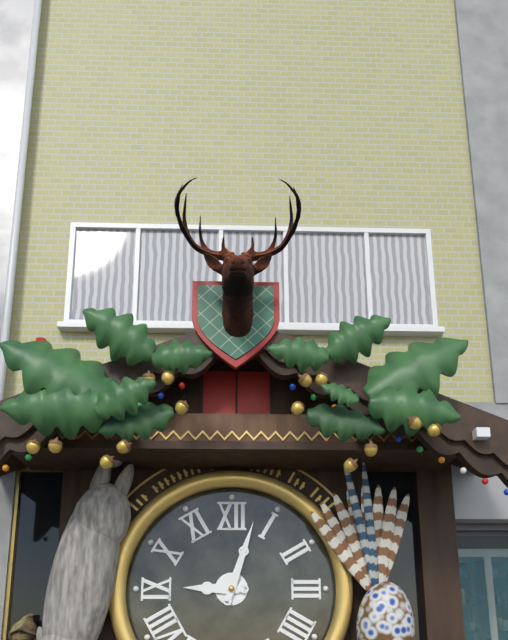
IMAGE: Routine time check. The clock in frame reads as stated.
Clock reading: 9:03
